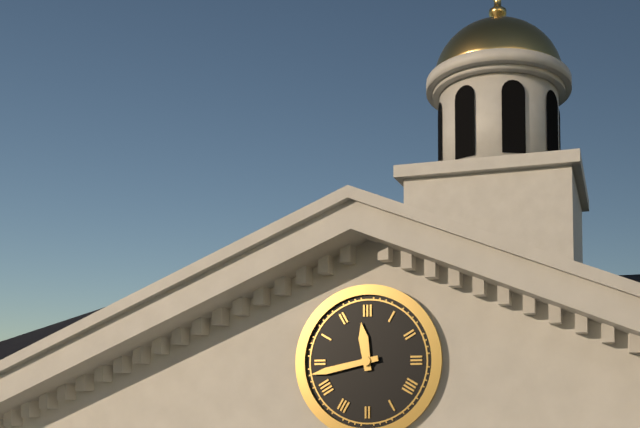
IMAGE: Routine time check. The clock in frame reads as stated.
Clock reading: 11:43
